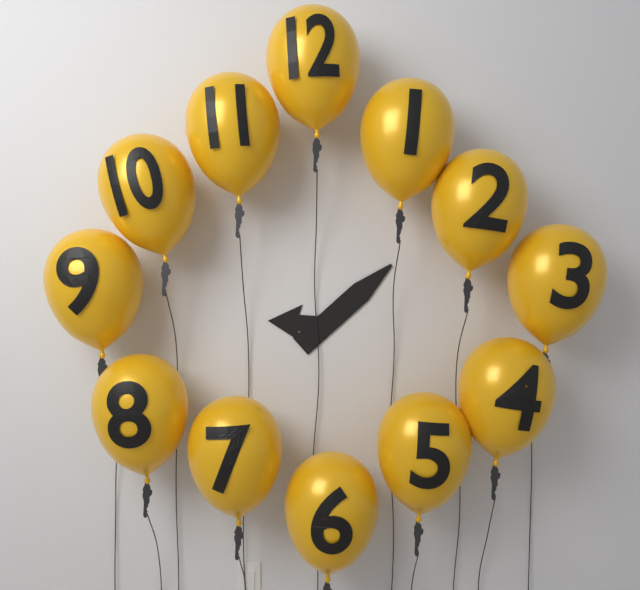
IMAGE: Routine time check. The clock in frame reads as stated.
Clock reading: 9:08
